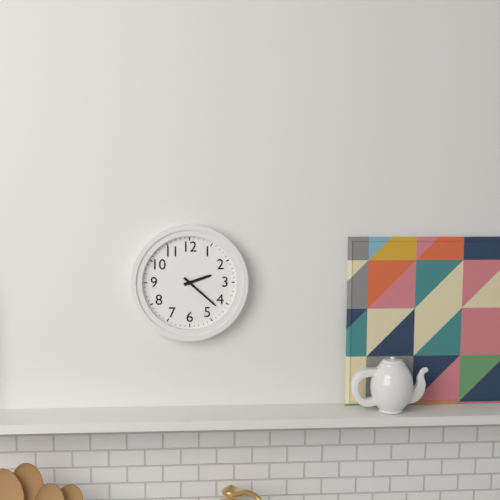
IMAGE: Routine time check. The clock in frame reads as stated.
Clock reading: 2:22
